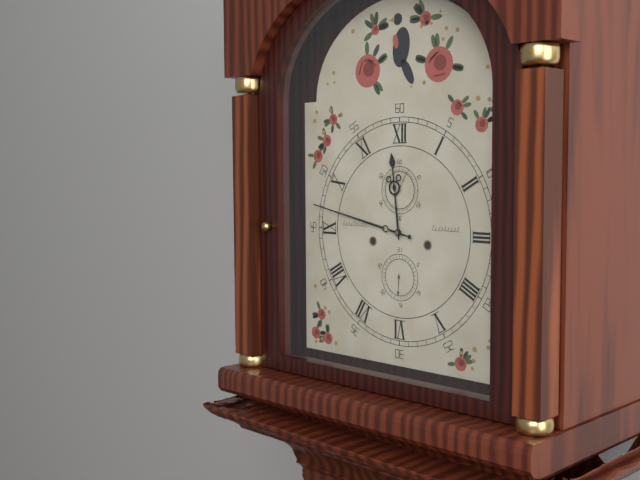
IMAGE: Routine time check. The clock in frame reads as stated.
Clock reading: 11:47
